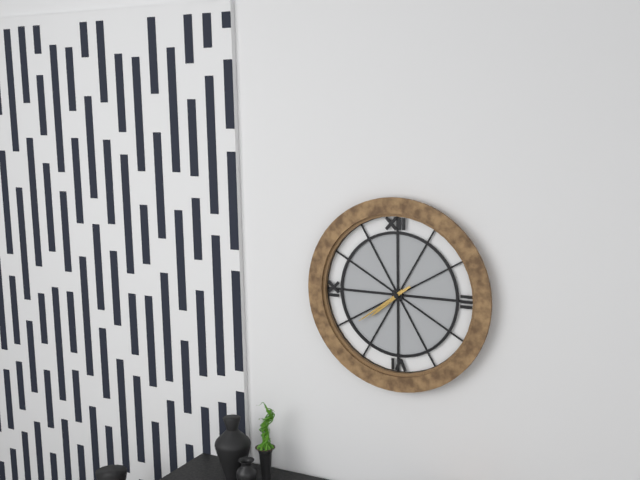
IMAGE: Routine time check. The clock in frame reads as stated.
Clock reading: 7:39
